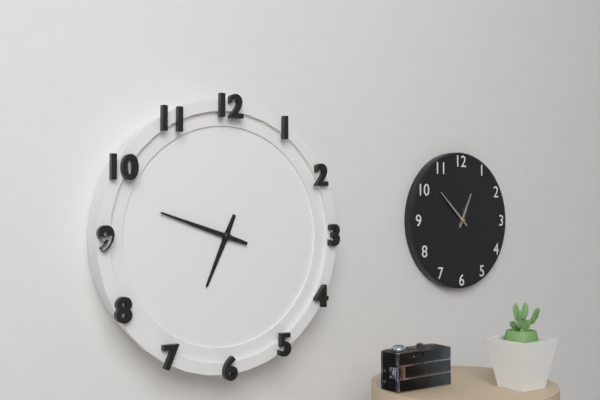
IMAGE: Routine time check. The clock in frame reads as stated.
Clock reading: 6:48
